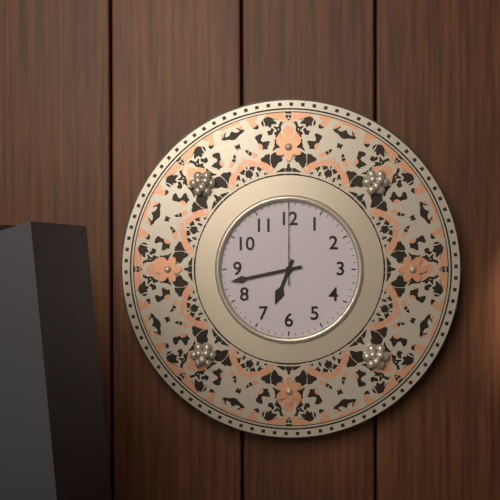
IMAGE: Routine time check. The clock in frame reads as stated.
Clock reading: 6:43:00
